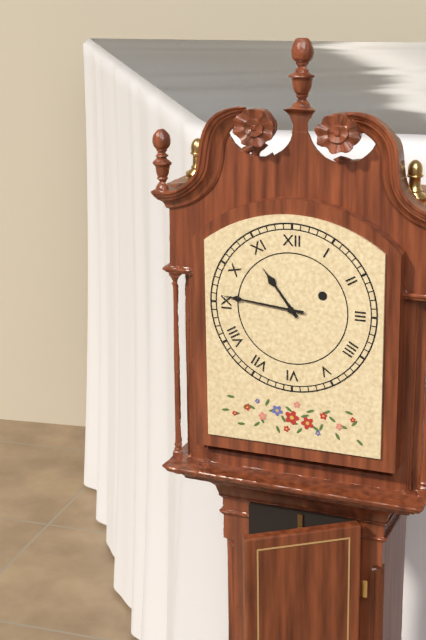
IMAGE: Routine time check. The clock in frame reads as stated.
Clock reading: 10:46
